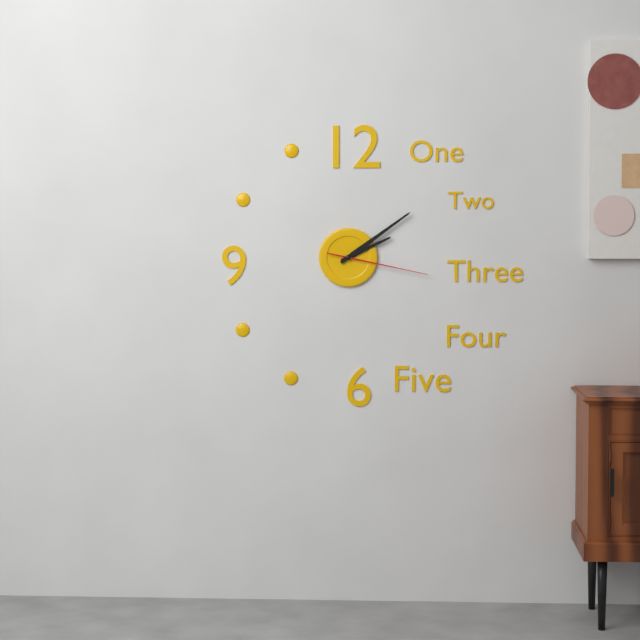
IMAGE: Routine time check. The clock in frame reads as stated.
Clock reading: 2:09:17
